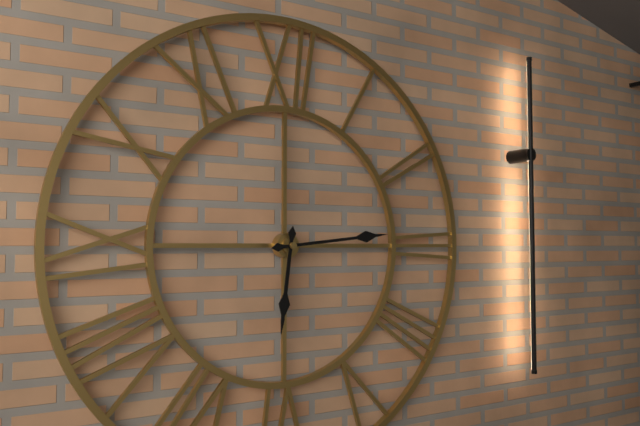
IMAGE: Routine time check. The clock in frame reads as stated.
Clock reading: 6:14
